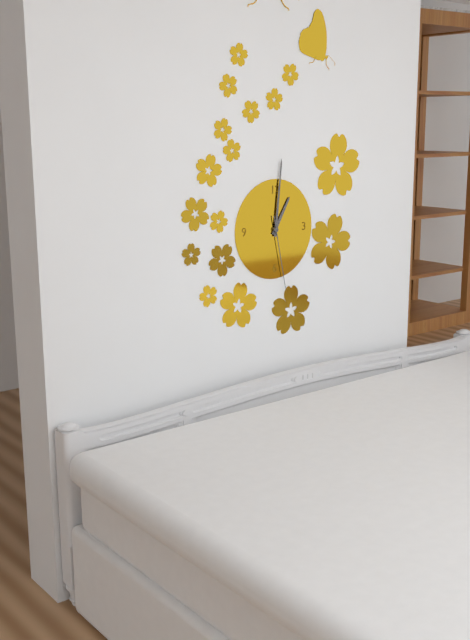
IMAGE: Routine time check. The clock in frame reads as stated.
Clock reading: 1:01:28
